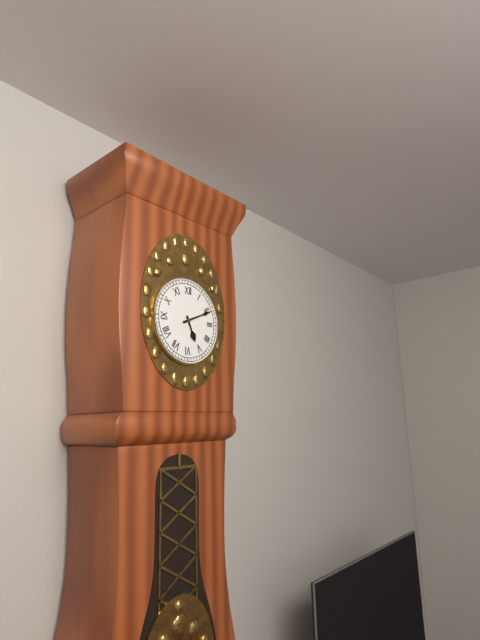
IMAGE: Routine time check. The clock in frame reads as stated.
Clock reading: 5:11
